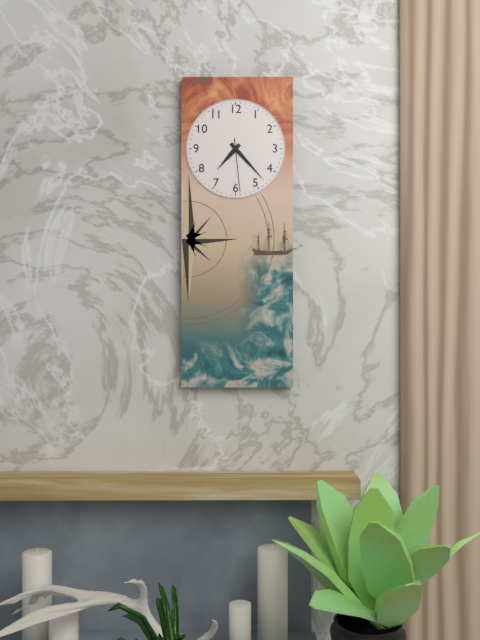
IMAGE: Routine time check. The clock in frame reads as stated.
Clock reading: 7:23:29
